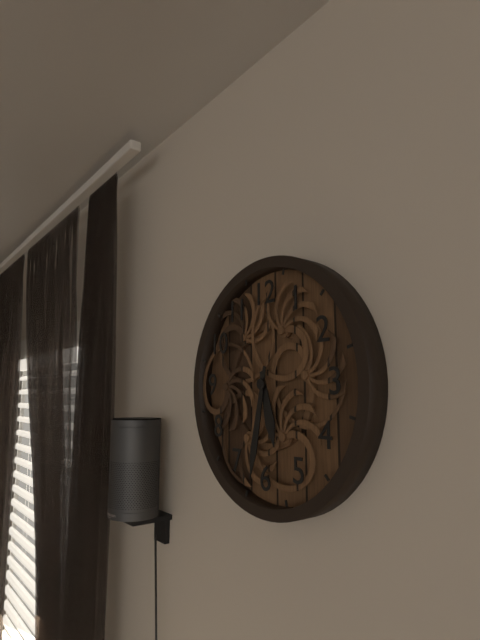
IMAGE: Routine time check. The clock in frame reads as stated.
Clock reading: 5:32
